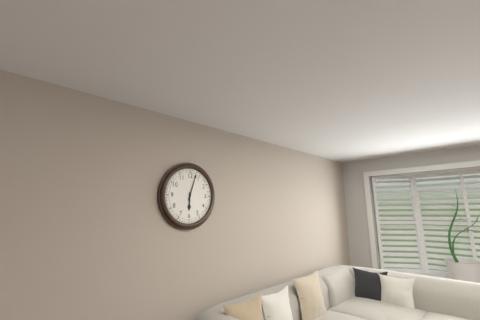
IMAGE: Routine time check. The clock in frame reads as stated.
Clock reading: 6:03
